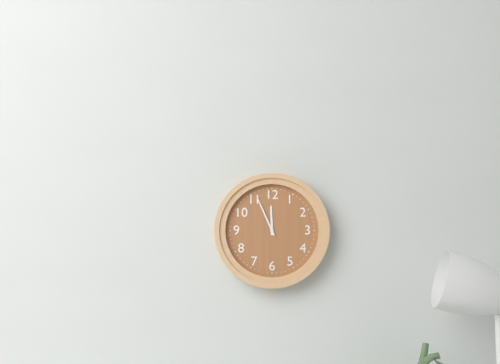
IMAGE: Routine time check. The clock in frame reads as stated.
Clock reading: 11:56
